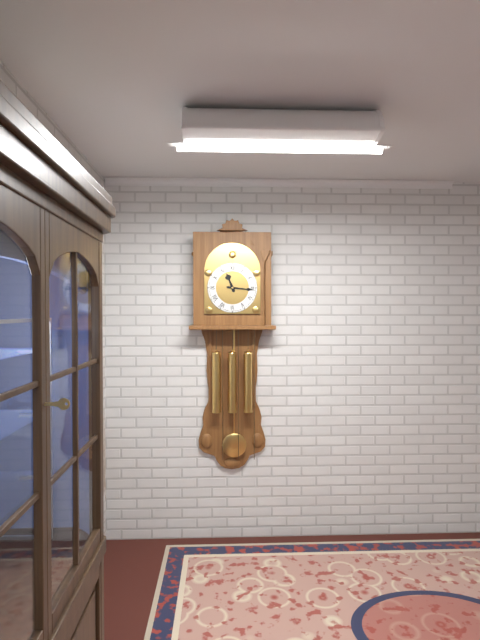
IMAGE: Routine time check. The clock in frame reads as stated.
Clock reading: 11:16
